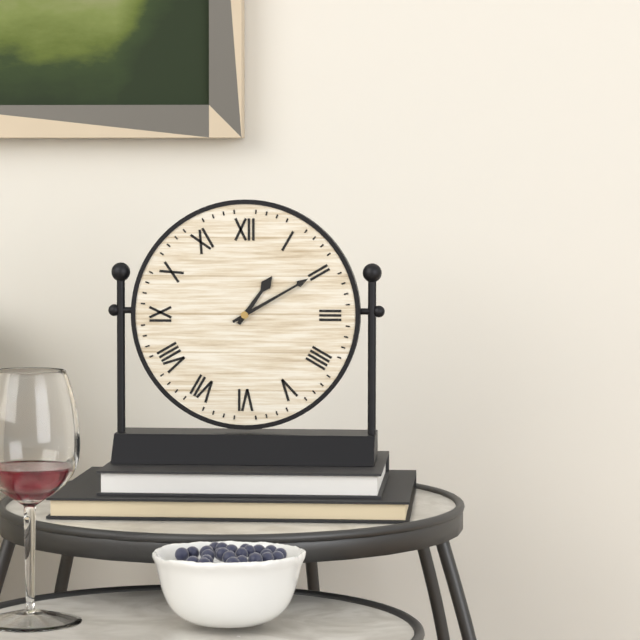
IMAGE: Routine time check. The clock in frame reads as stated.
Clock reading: 1:10
